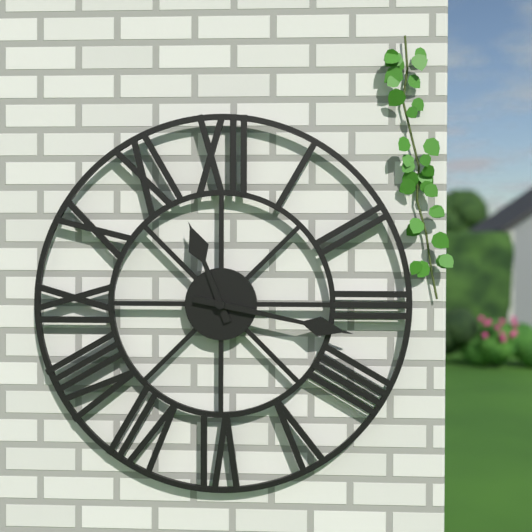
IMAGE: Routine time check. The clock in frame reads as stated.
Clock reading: 11:17
